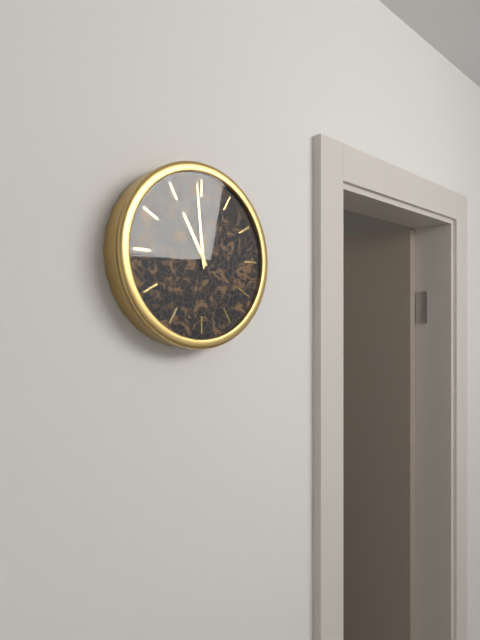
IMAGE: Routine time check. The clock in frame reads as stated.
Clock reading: 10:59
